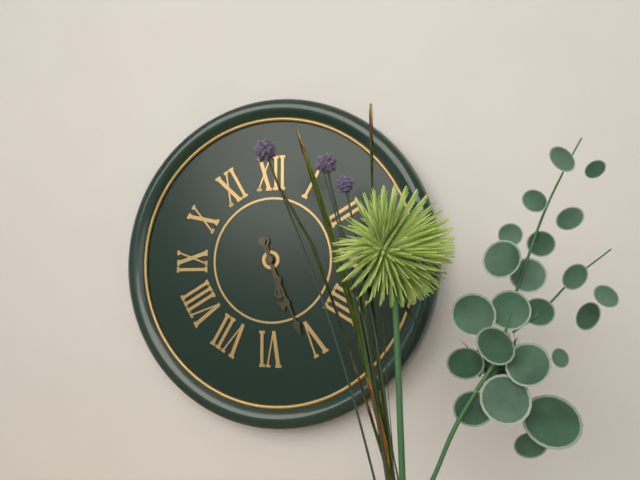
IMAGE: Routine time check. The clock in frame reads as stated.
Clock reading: 5:26
